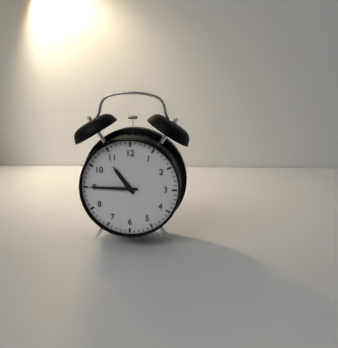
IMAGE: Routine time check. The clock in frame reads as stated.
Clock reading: 10:45
